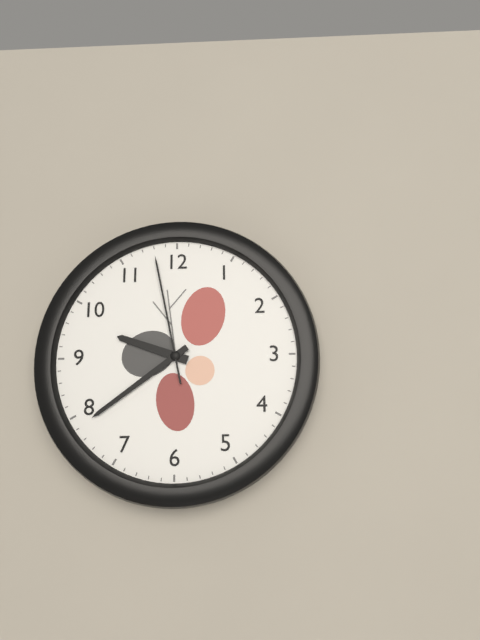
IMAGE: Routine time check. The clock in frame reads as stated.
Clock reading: 9:39:58
